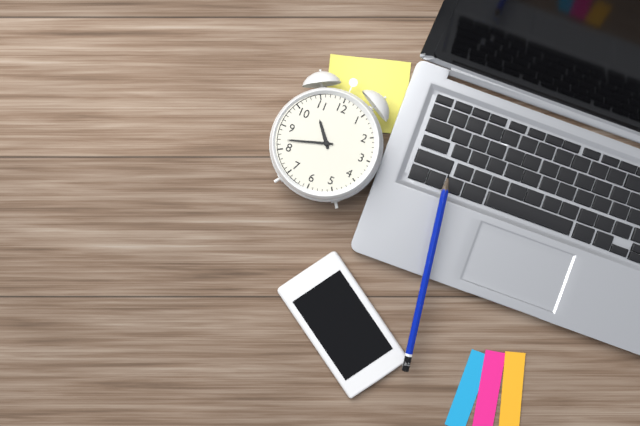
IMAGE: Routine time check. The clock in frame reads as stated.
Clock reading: 10:42
